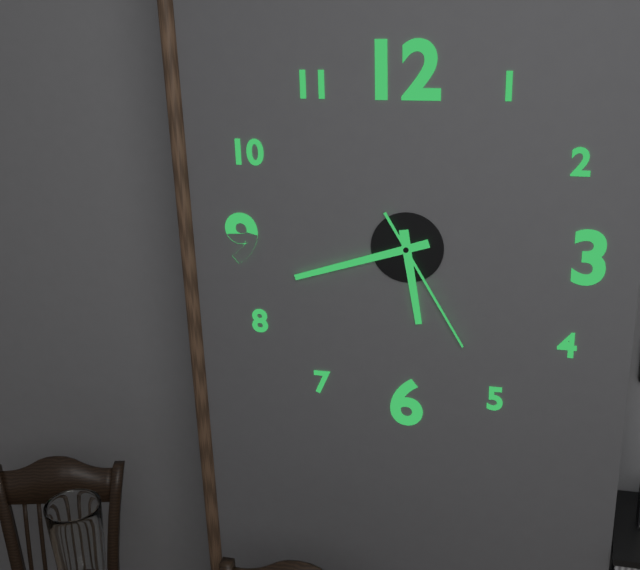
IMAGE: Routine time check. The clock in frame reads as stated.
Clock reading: 5:42:25
